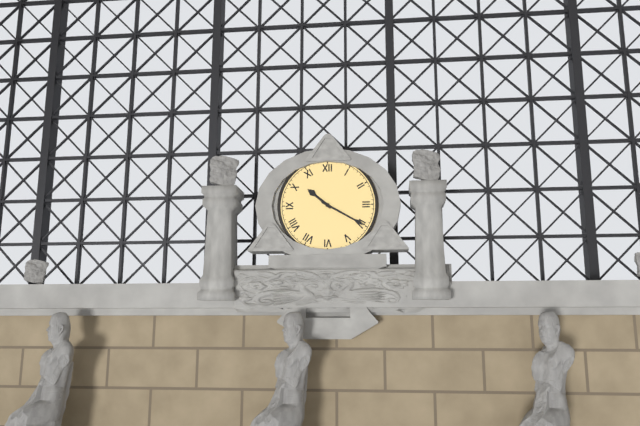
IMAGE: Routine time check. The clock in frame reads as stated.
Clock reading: 10:20
